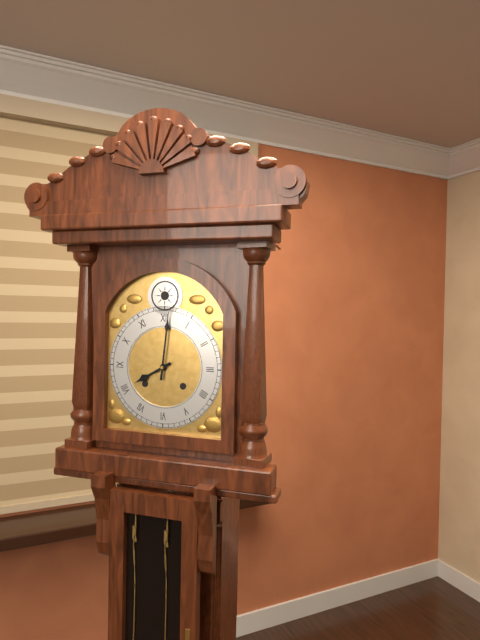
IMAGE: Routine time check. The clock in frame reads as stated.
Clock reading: 8:01
